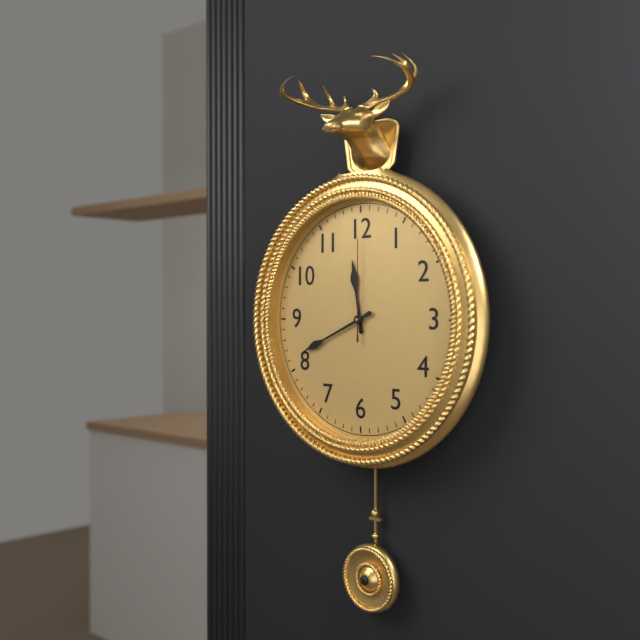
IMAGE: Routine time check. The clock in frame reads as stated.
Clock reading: 11:41:00
